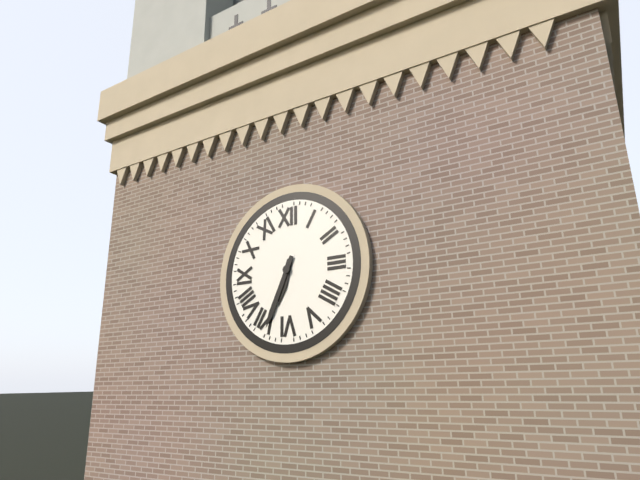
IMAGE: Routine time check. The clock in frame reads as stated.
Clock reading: 6:34
